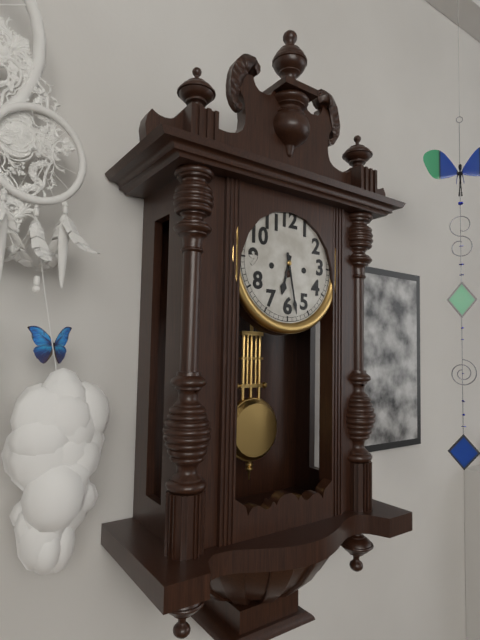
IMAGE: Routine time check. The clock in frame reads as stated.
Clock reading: 6:28
